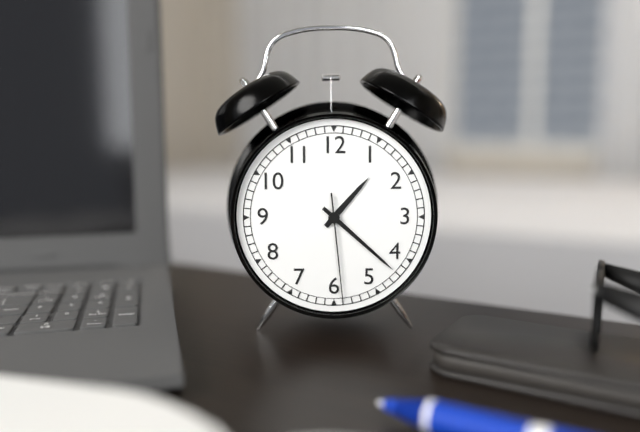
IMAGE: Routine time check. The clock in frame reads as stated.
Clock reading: 1:22:29
